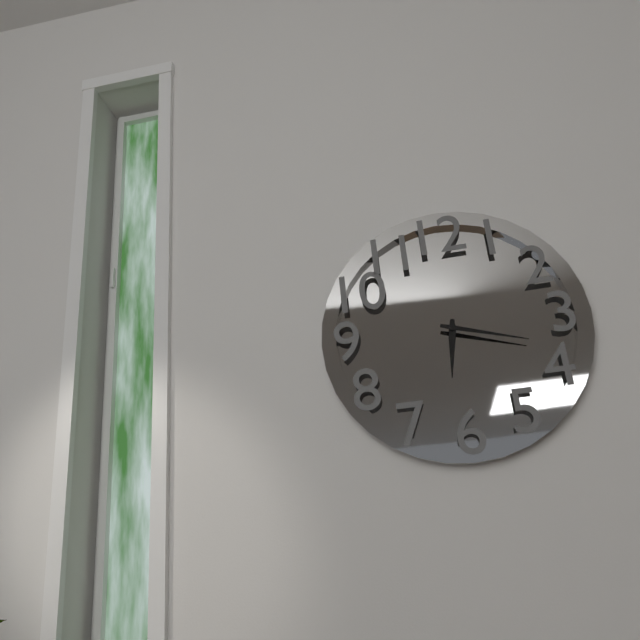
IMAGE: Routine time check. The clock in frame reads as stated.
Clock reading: 6:18
